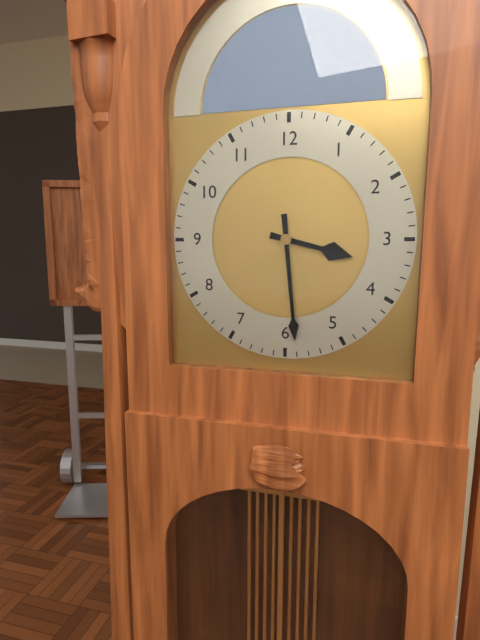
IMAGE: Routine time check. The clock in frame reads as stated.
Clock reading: 3:29
